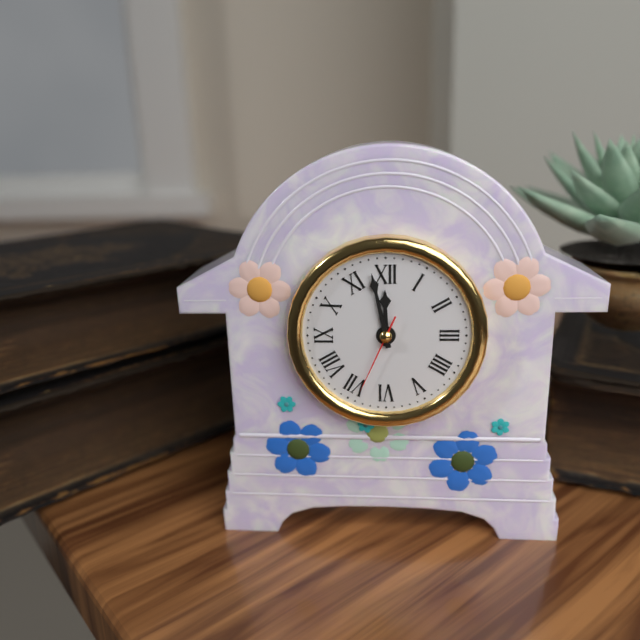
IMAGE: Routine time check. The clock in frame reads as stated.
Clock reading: 11:58:34
